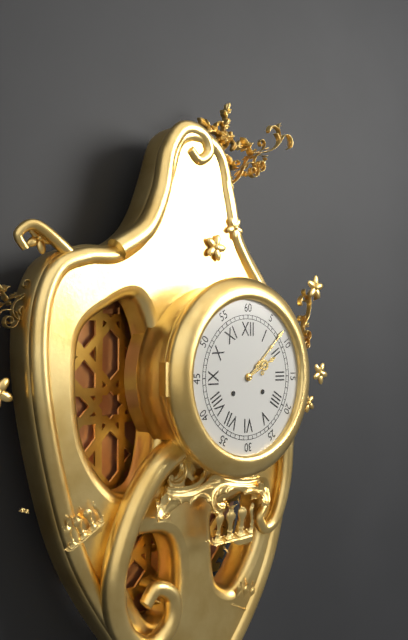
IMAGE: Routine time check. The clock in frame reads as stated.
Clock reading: 2:08
